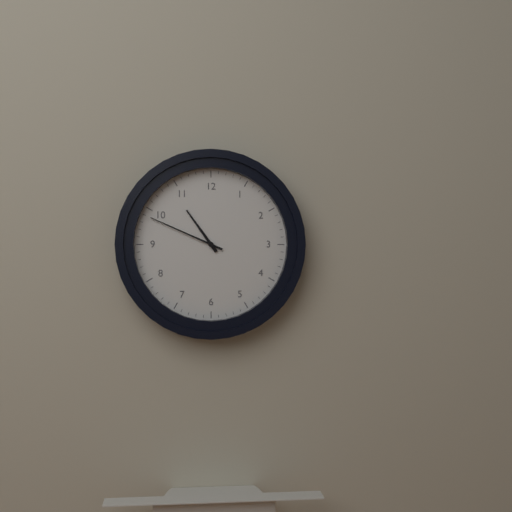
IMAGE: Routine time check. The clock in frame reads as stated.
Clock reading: 10:49
